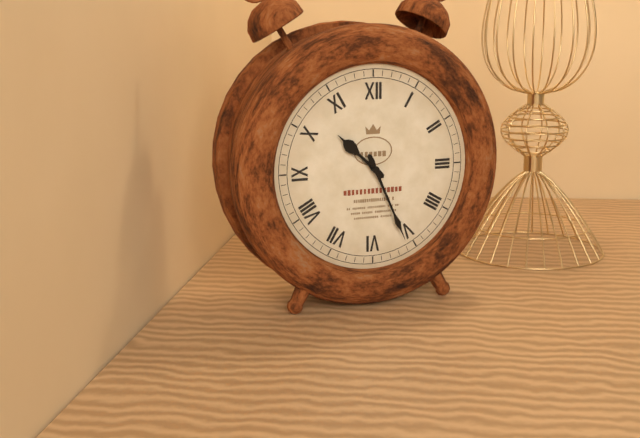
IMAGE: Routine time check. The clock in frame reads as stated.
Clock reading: 10:26
